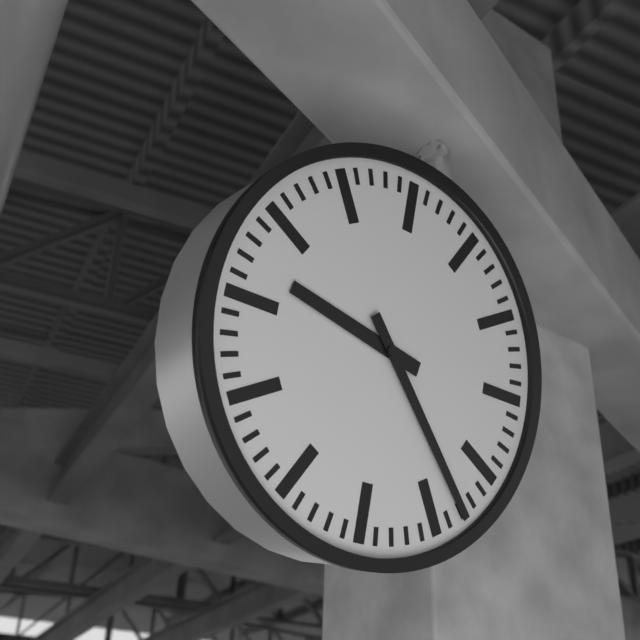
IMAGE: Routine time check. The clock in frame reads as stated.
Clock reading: 9:23
